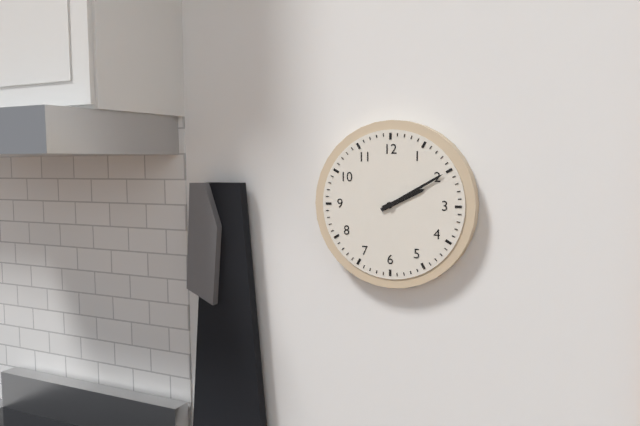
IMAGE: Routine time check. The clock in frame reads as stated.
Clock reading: 2:10
